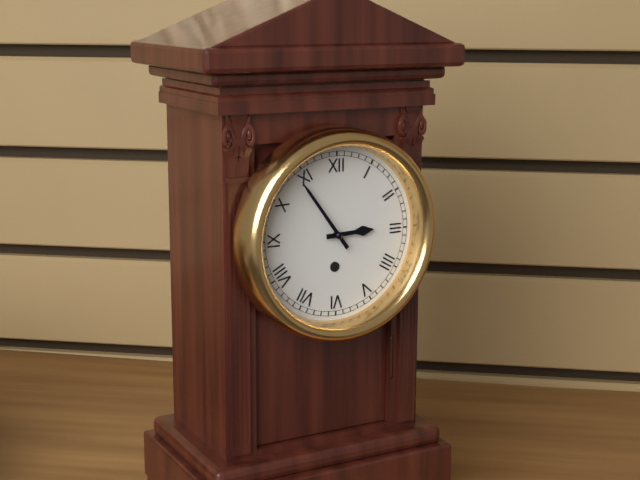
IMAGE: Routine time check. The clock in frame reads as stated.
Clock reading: 2:54
